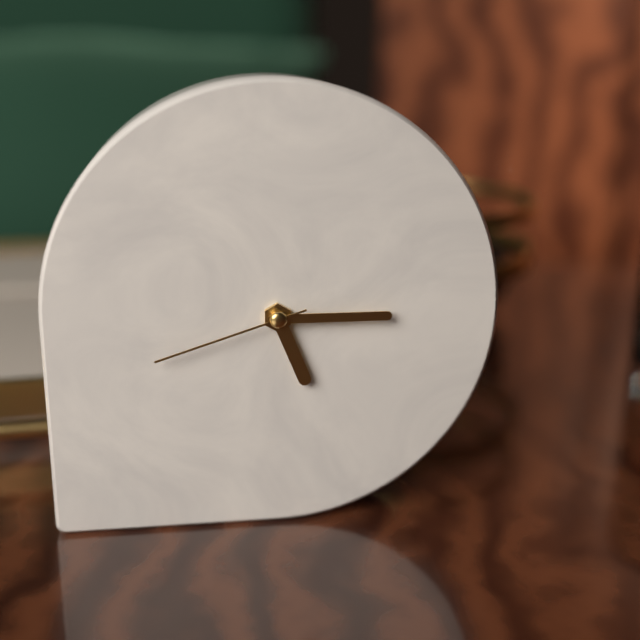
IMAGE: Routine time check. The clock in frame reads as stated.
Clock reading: 5:15:42
